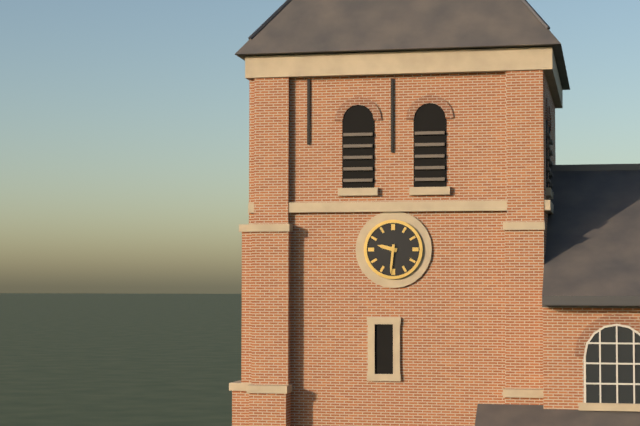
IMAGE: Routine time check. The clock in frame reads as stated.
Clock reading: 9:31
